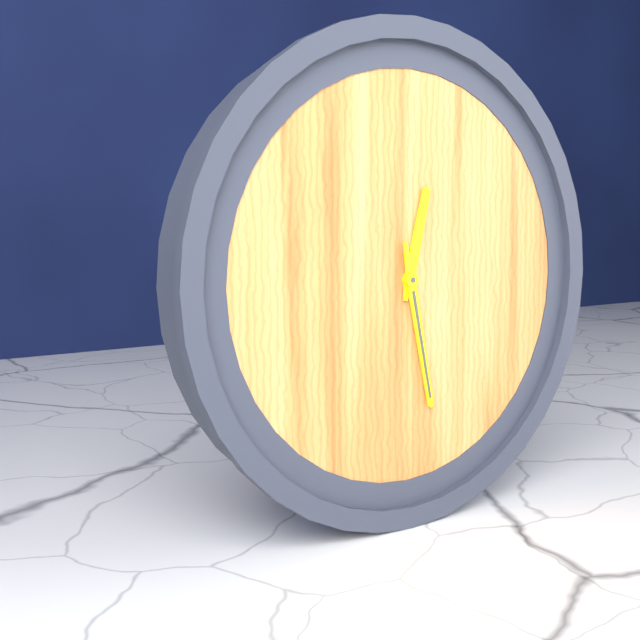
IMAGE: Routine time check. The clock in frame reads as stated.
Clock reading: 12:28
